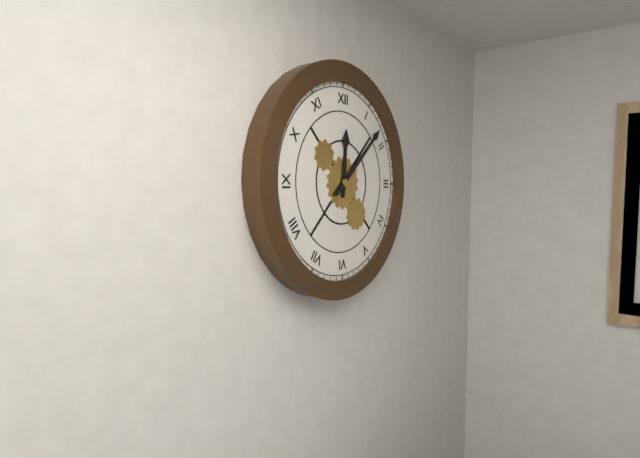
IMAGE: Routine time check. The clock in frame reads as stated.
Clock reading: 12:08
